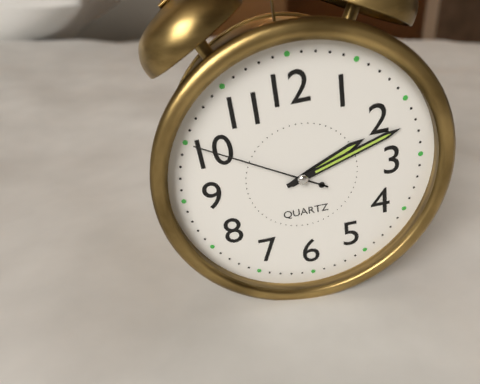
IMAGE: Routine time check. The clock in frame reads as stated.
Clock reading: 2:12:50
